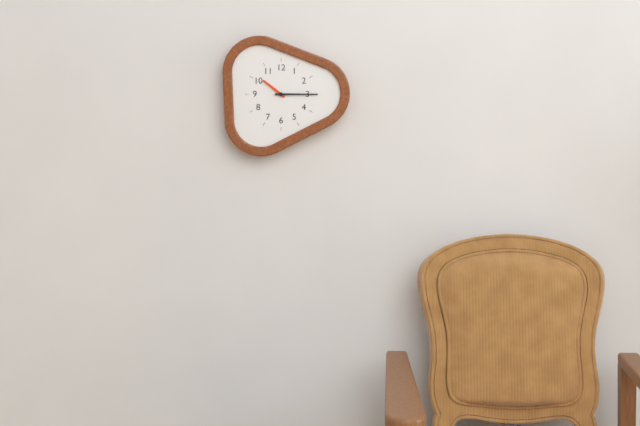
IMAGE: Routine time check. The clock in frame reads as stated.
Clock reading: 10:15
